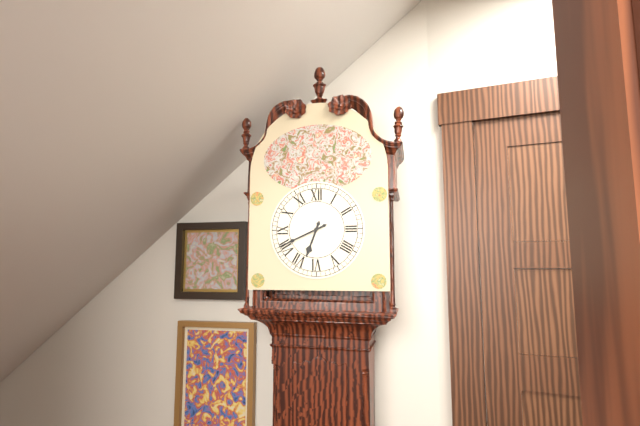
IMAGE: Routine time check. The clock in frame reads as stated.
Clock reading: 6:41
